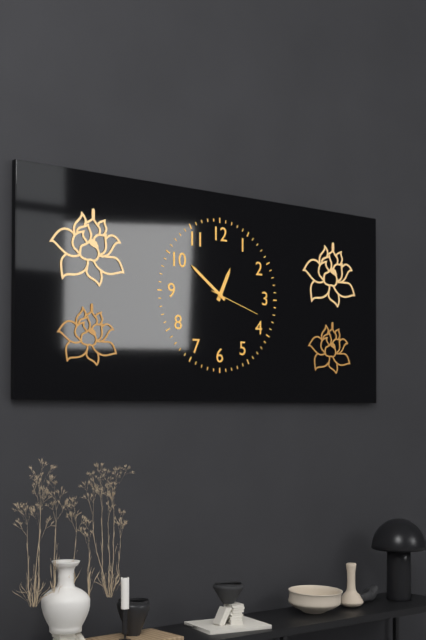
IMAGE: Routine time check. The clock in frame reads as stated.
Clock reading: 12:51:18
